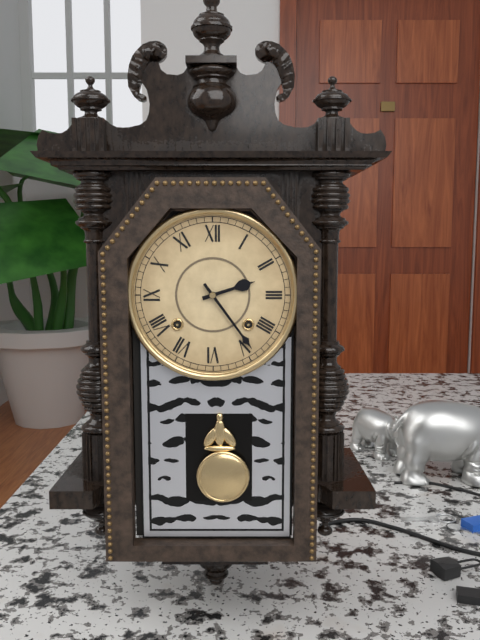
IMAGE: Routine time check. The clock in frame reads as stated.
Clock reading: 2:24
